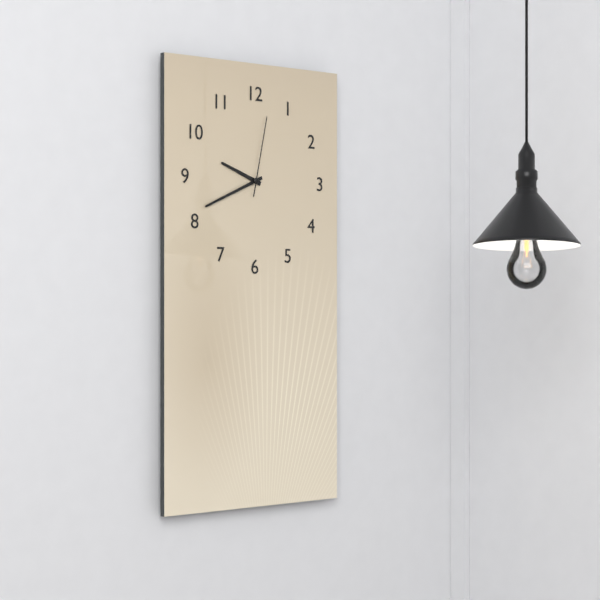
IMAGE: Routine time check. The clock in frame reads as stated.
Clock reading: 9:41:02
